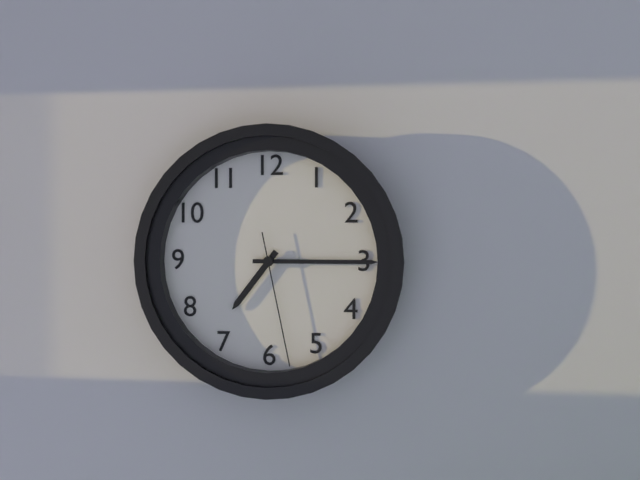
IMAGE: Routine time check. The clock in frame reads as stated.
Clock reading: 7:15:28
